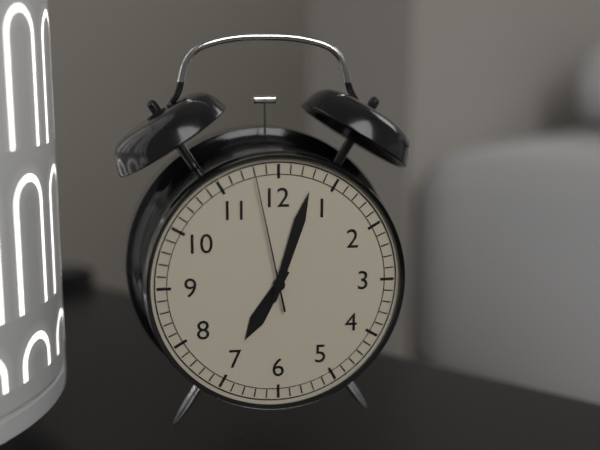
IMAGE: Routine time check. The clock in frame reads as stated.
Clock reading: 7:03:58
